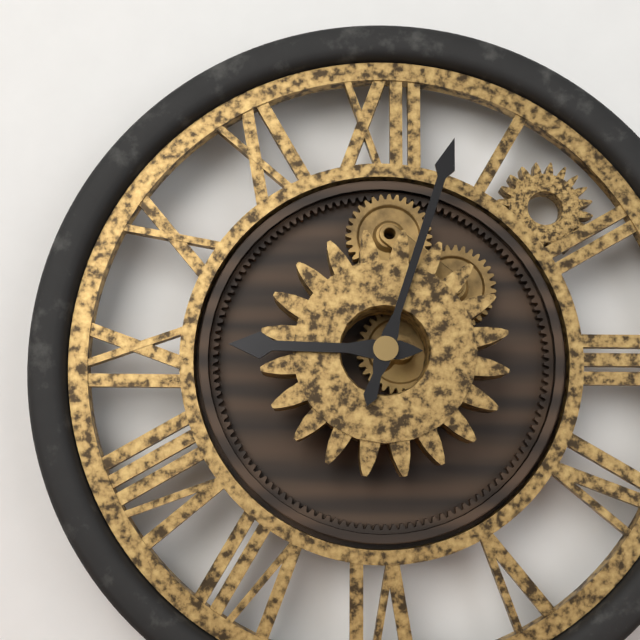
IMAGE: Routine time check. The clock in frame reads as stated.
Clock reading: 9:03
